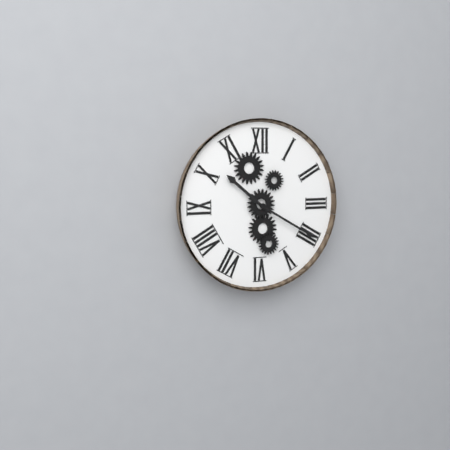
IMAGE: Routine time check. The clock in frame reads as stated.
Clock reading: 10:20
